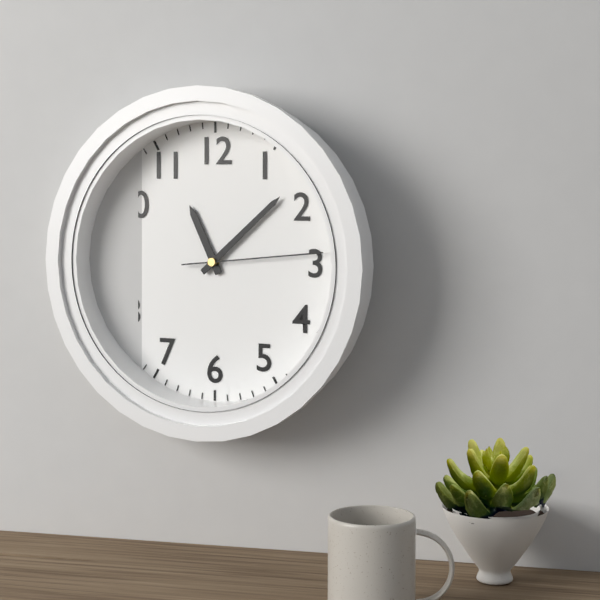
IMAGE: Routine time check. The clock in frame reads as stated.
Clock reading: 11:08:14
